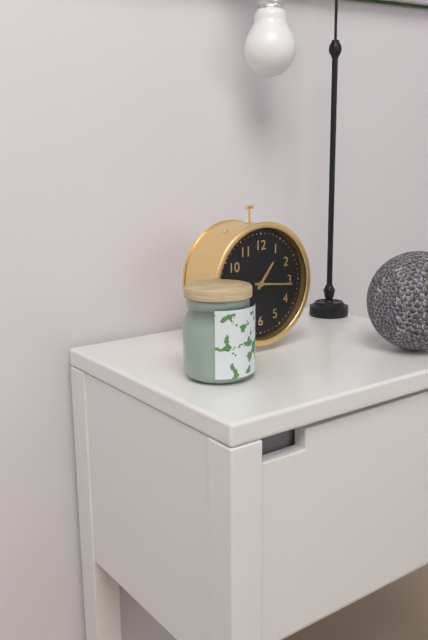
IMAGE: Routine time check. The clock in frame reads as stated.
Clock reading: 1:16
